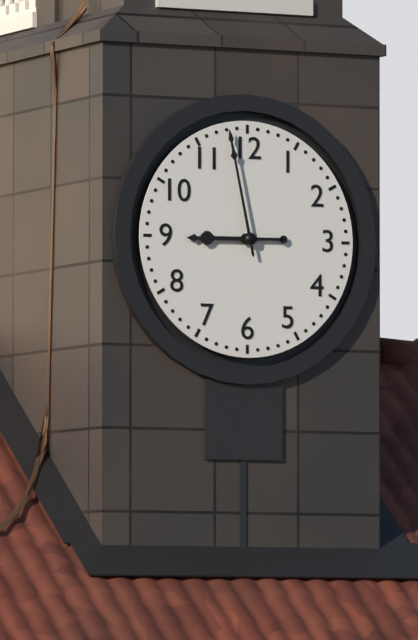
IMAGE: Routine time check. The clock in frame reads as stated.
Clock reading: 8:58
